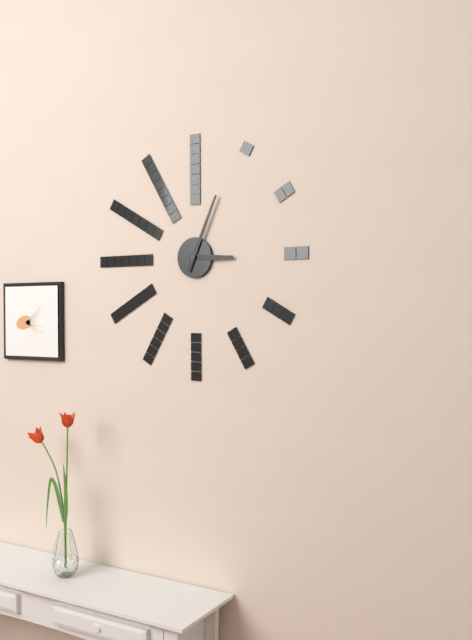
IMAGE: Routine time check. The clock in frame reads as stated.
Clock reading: 3:04
